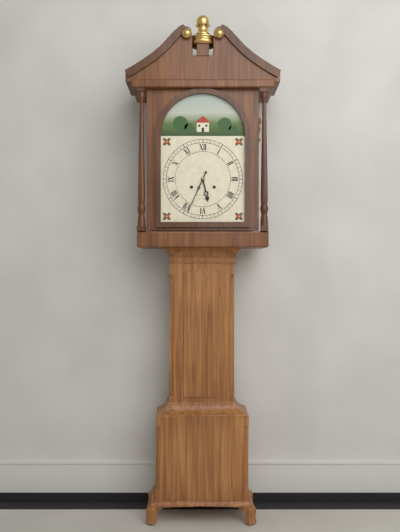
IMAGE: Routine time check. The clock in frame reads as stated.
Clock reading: 5:34
